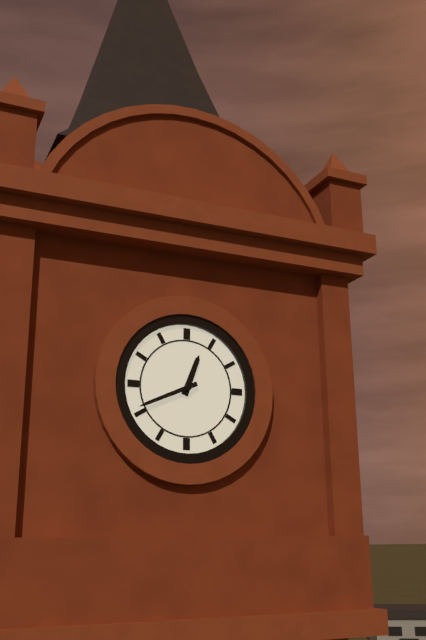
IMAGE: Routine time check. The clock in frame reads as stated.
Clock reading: 12:41
